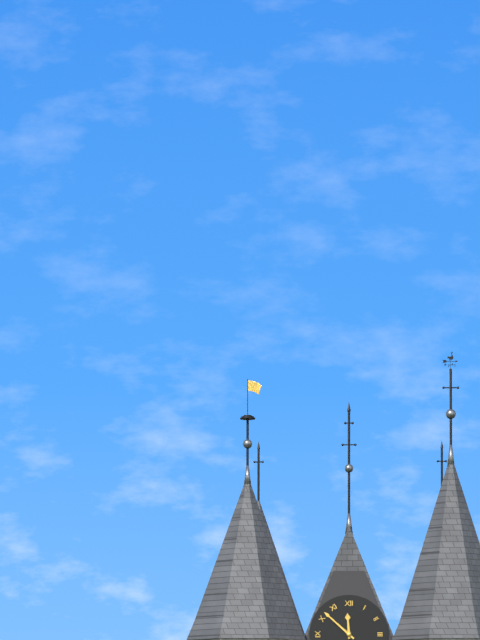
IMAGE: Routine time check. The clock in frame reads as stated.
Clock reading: 11:52
